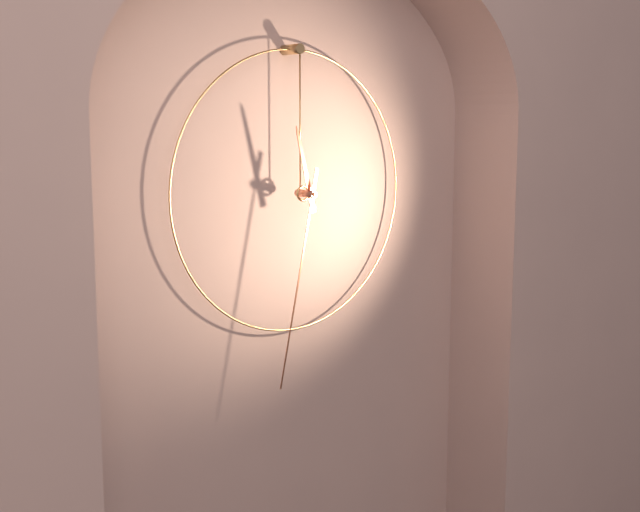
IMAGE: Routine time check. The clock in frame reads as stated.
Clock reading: 11:32
